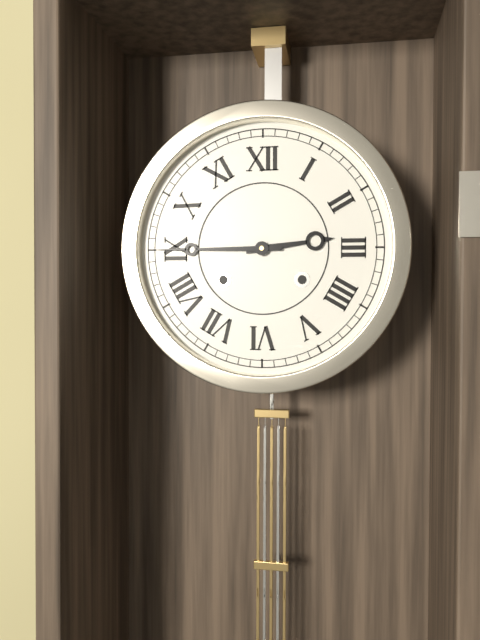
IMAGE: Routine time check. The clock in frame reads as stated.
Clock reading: 2:45
